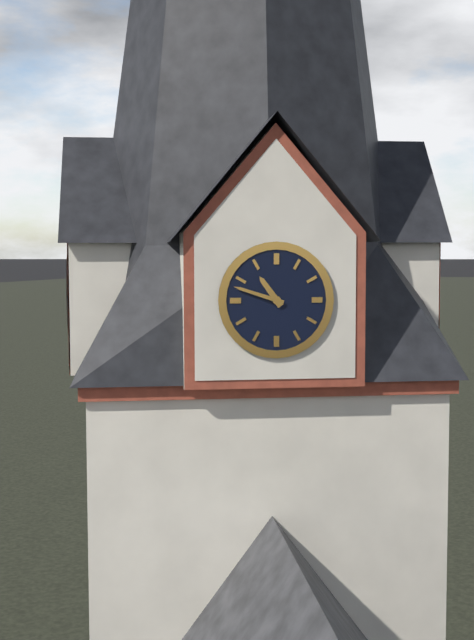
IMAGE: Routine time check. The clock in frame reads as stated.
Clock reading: 10:48
